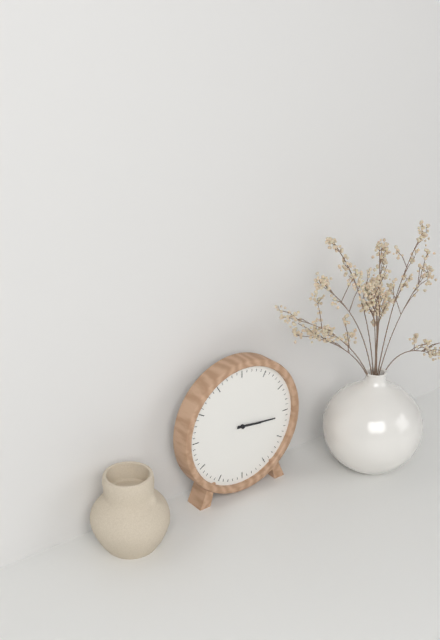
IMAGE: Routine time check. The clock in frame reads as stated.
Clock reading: 3:16
